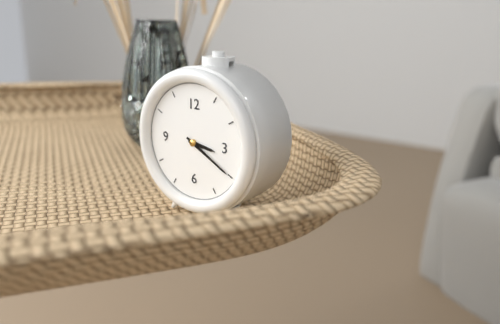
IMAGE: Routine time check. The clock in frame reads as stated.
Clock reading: 3:20
